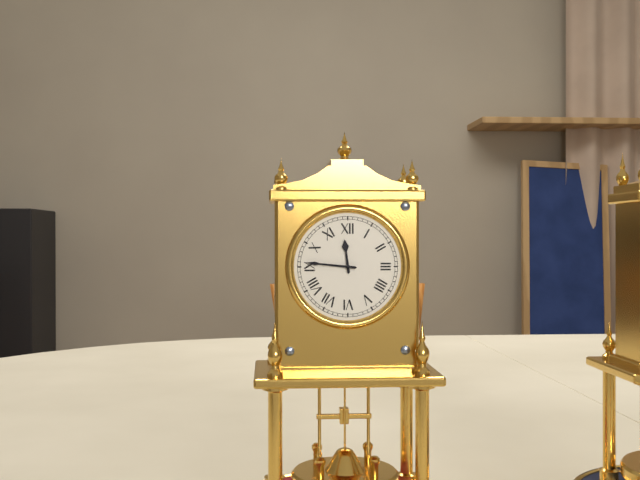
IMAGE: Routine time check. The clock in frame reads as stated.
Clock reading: 11:46
